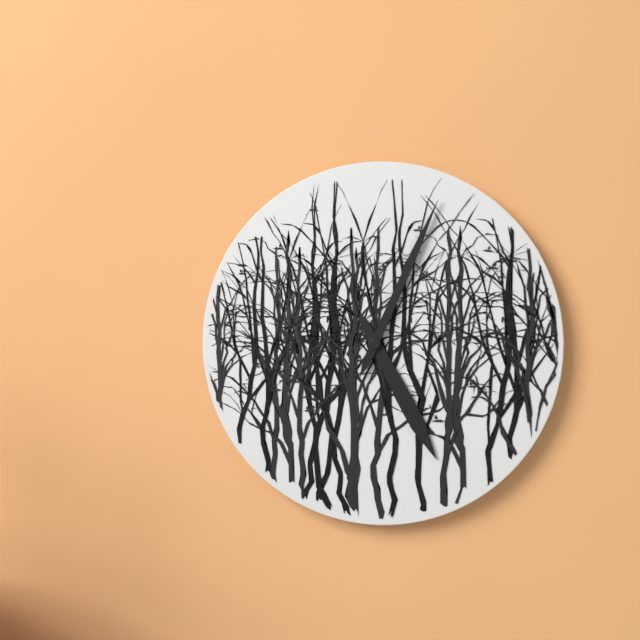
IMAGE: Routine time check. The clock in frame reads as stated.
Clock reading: 5:04
